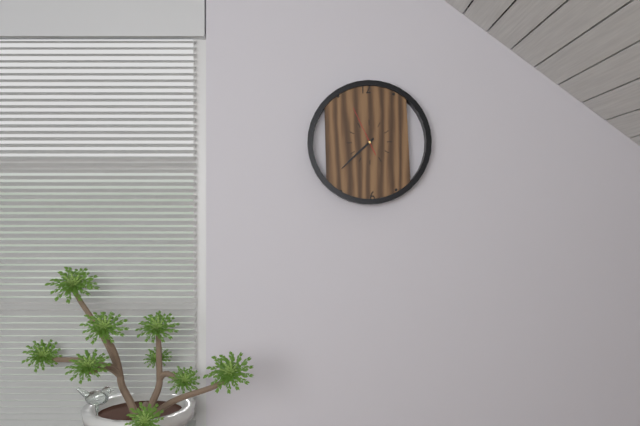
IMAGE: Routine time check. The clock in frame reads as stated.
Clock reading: 7:38
